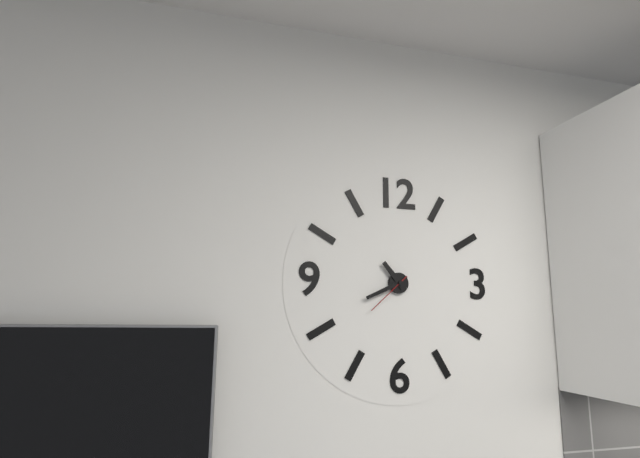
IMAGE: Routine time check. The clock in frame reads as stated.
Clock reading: 10:41
